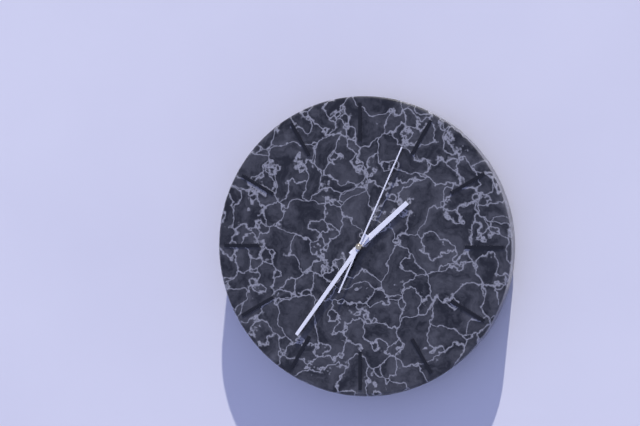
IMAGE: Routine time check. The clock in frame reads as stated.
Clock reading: 1:36:04
